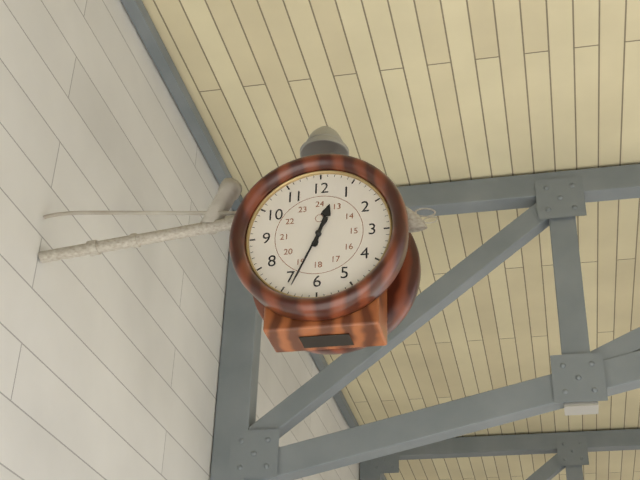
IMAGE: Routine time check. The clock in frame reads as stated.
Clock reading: 12:34
